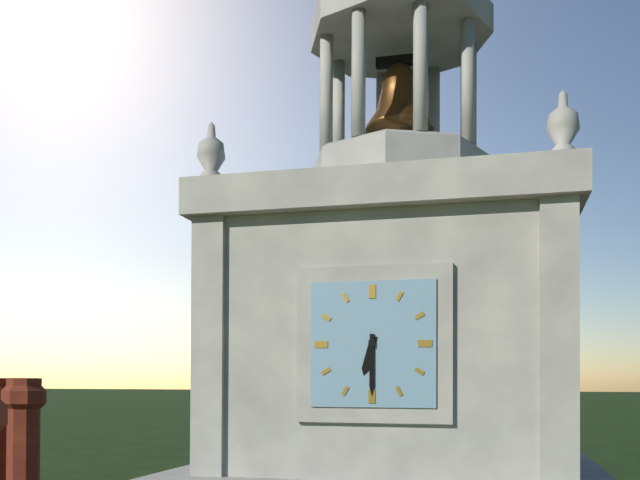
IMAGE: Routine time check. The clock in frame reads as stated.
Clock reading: 6:30
